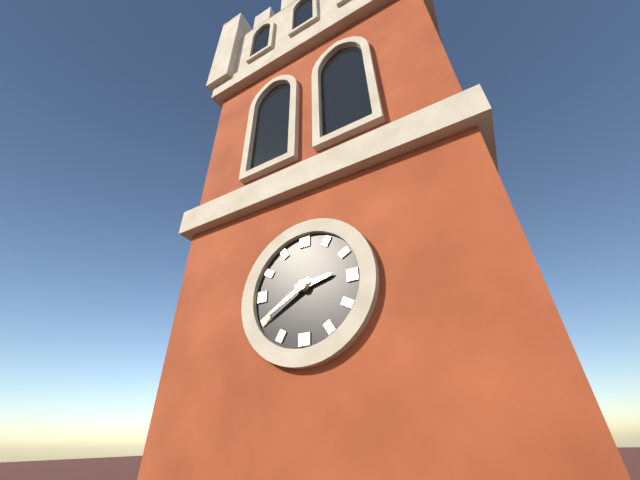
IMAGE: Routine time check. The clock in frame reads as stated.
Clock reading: 2:40
